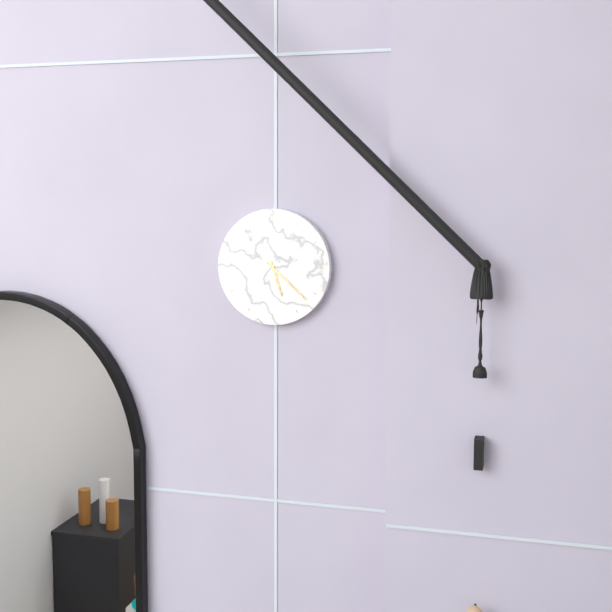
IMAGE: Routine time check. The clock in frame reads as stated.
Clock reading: 5:22
